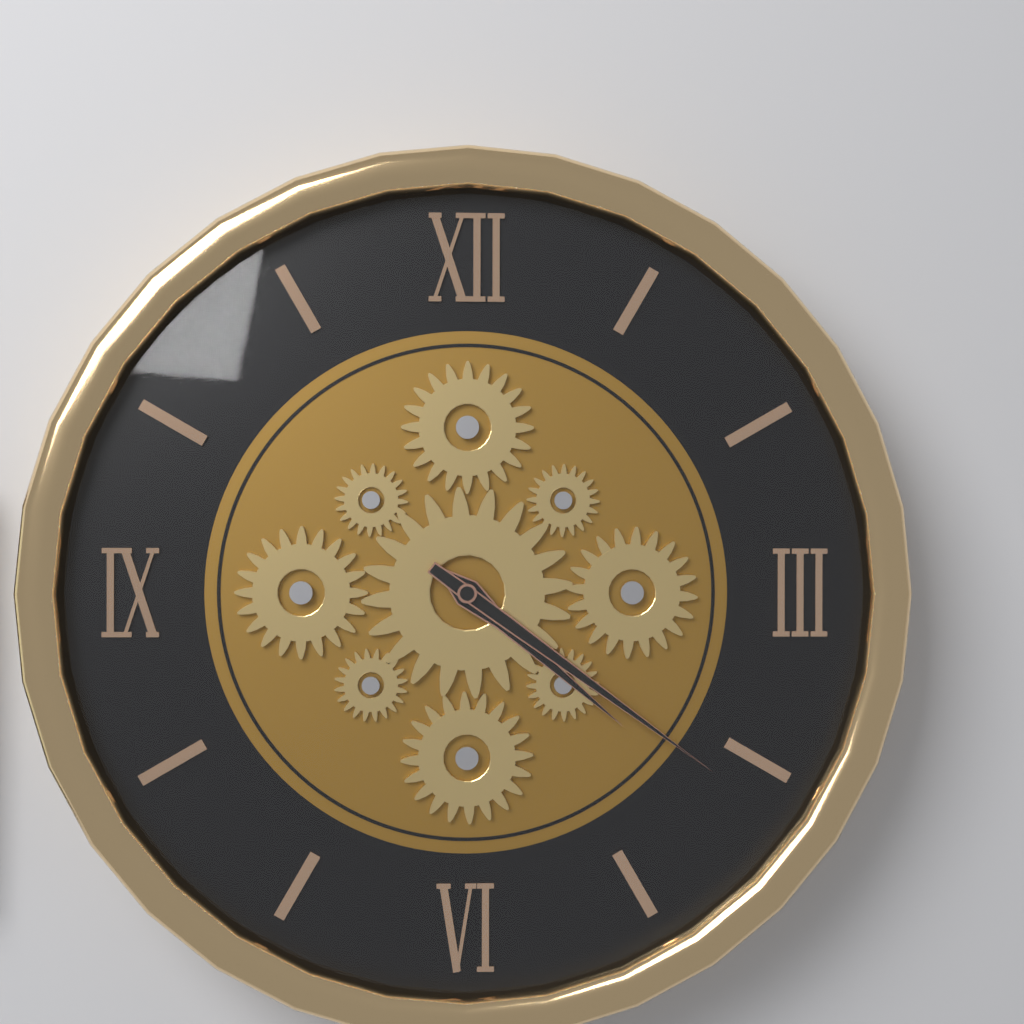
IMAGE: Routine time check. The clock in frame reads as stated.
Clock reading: 4:21
